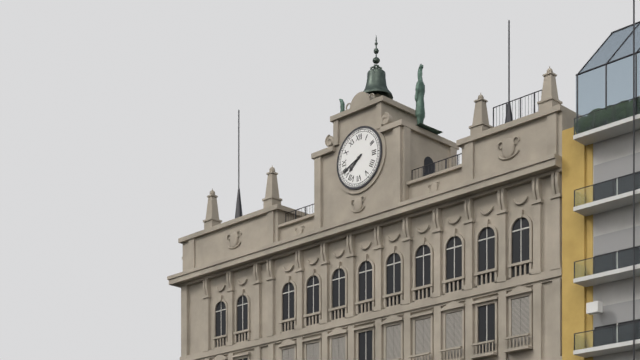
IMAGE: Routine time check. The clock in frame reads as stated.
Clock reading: 7:41
